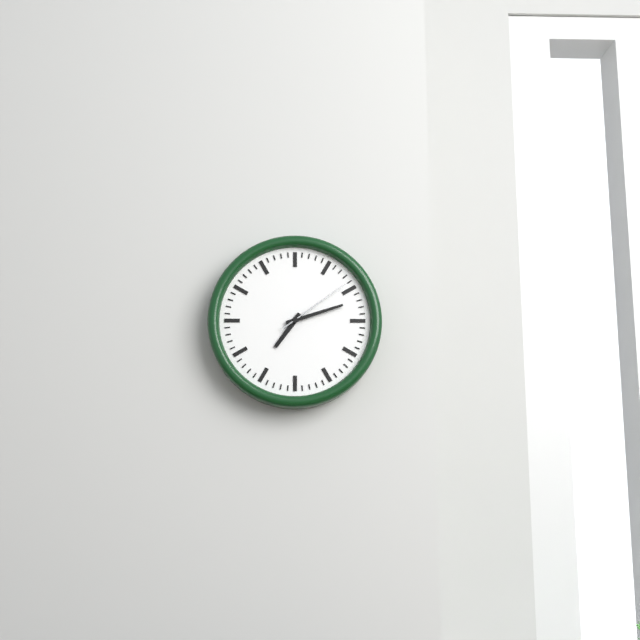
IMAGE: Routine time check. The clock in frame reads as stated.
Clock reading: 7:12:09
